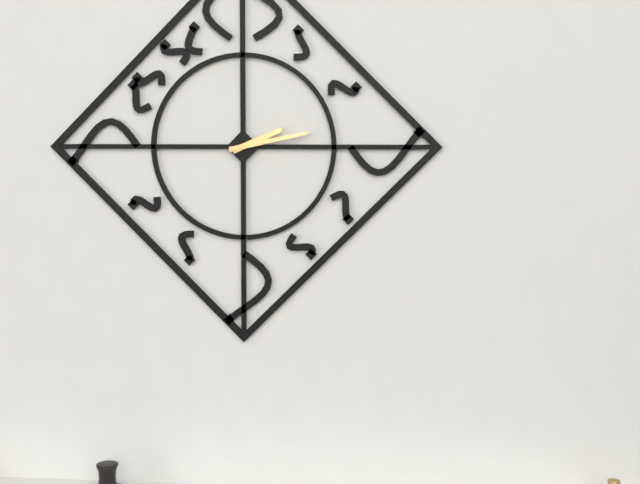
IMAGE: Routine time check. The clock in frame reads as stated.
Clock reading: 2:13
